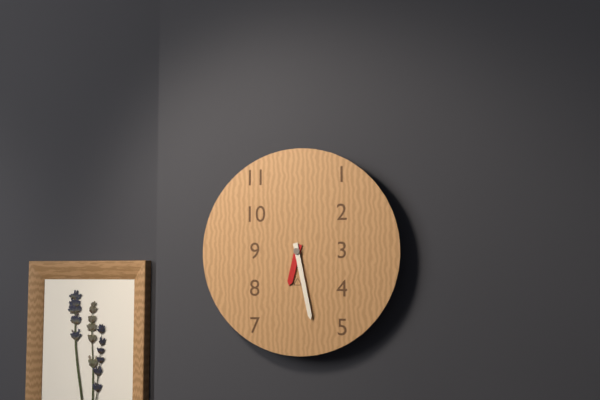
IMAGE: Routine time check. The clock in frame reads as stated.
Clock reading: 6:28
